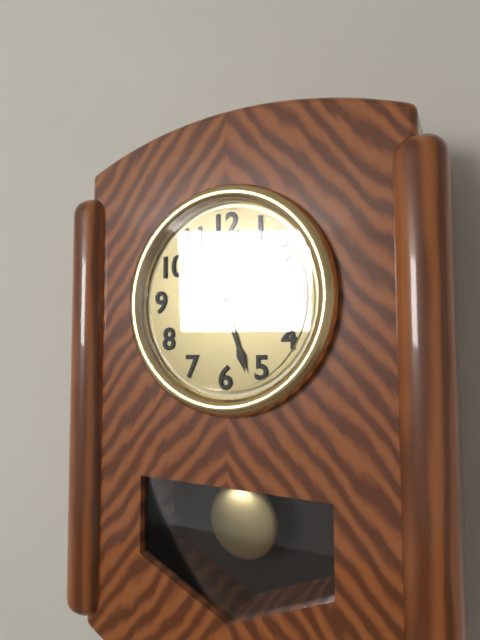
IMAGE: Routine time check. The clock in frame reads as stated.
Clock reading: 8:27
